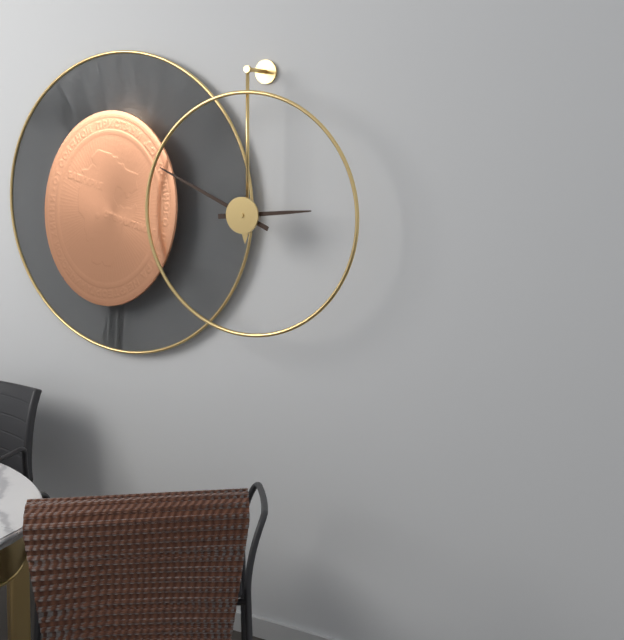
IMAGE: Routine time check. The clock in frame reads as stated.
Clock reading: 2:49
